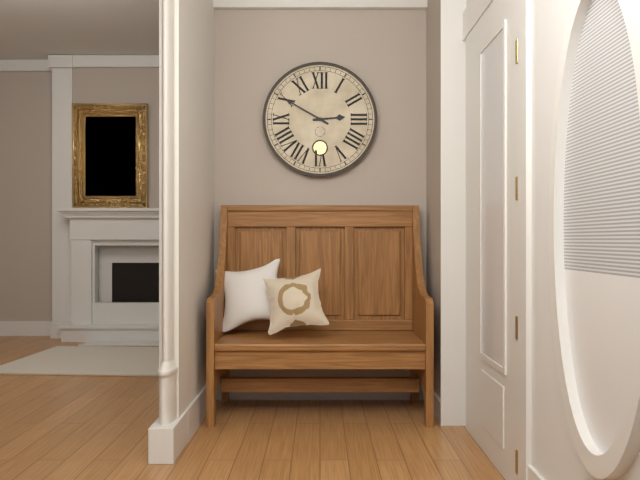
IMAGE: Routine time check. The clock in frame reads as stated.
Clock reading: 2:50
